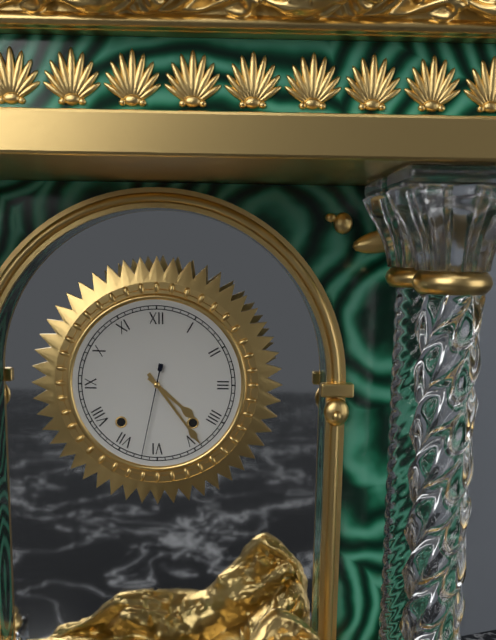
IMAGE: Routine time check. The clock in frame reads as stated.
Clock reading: 4:24:32
